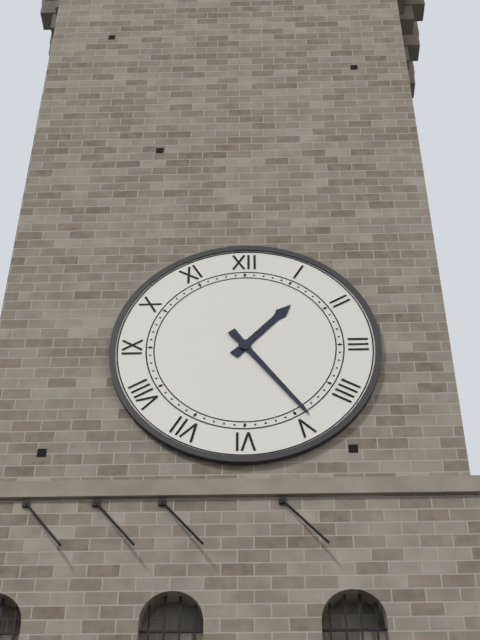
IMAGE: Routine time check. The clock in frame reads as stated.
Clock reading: 1:24
